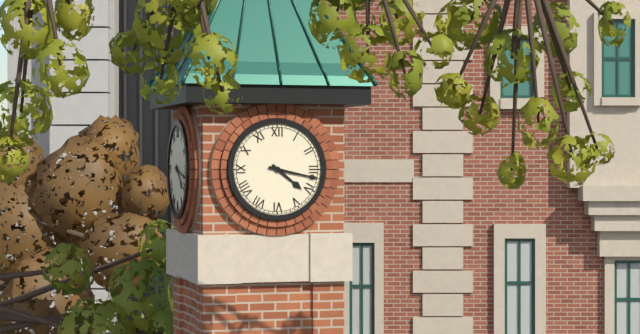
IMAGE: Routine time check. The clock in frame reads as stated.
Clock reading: 4:17
